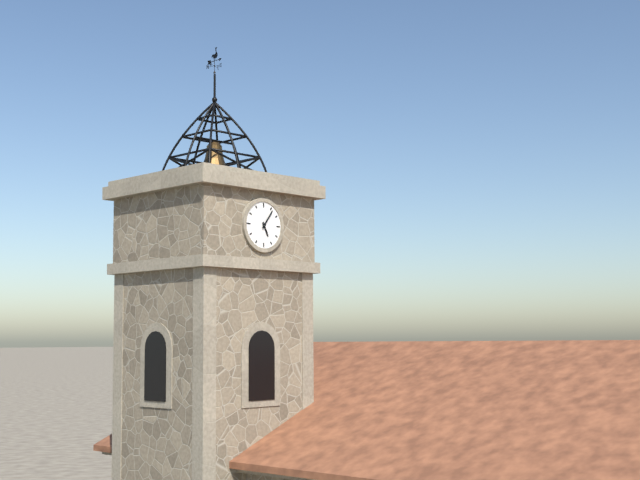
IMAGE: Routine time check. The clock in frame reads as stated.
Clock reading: 5:06
